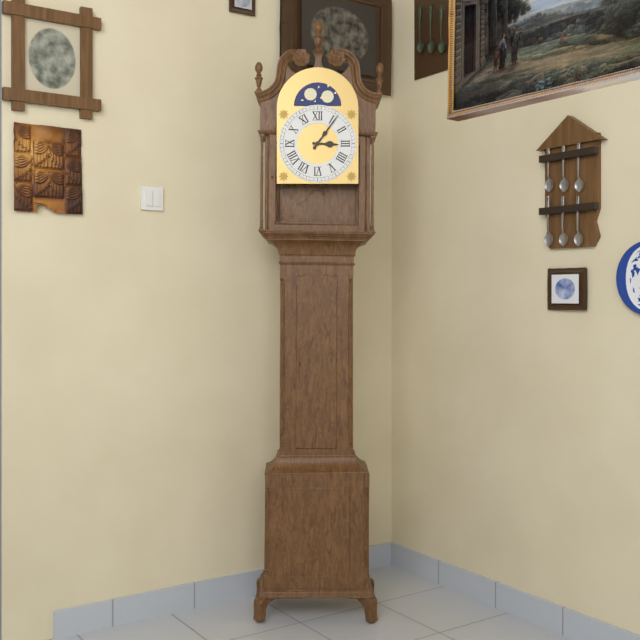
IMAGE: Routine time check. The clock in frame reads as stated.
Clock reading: 3:06
